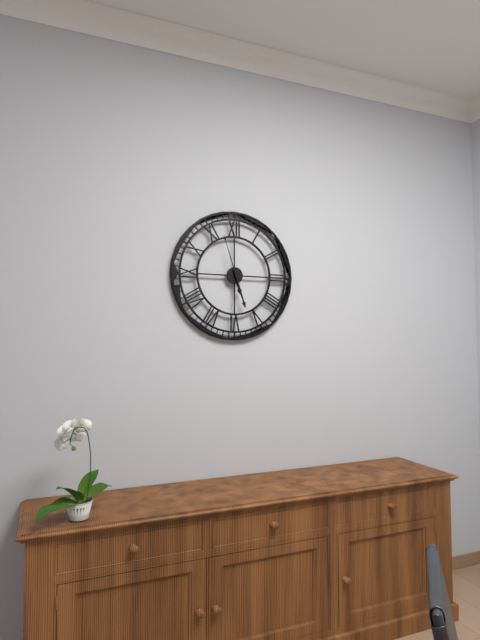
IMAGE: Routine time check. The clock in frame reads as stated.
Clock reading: 5:27:57
